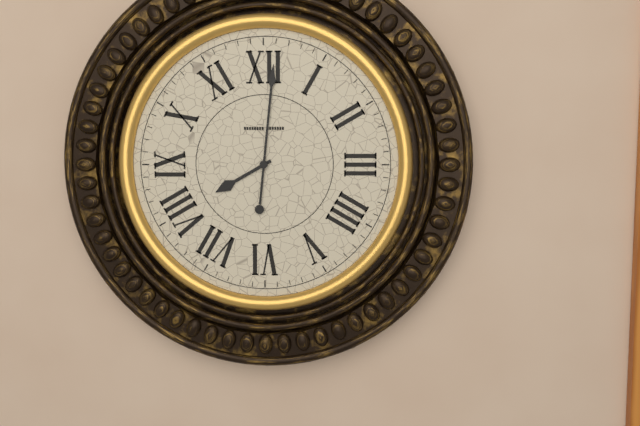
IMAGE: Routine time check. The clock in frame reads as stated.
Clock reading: 8:01
